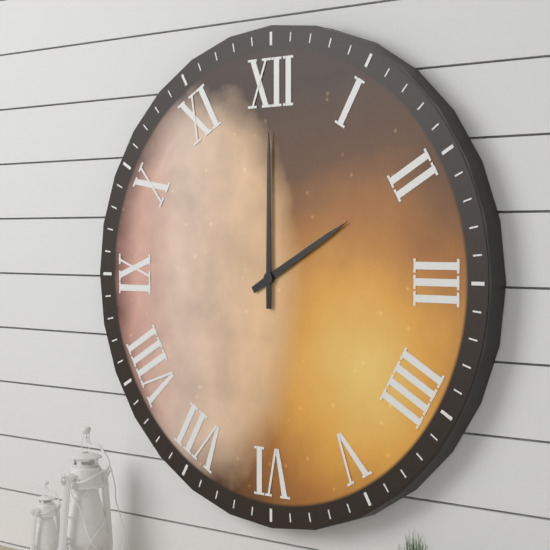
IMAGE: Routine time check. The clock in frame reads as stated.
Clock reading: 2:00
